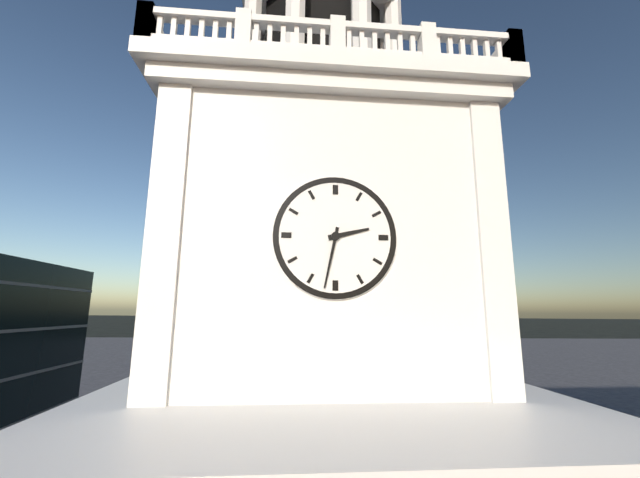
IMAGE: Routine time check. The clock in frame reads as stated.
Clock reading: 2:32
